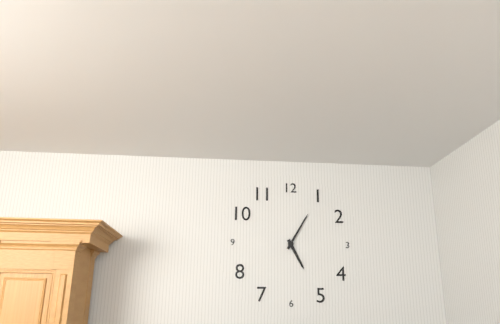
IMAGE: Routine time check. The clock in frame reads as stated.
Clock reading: 5:05
